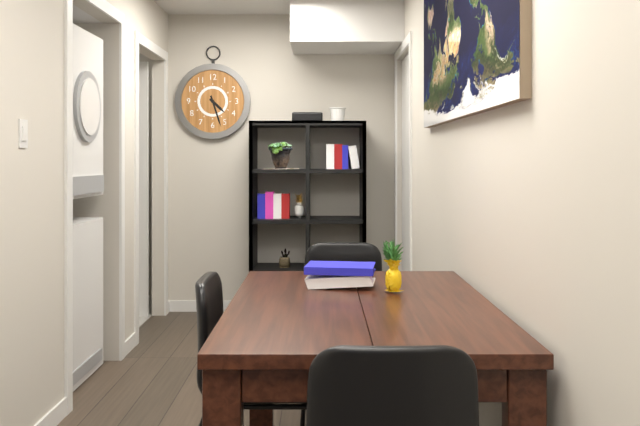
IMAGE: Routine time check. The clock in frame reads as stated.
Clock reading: 4:27
